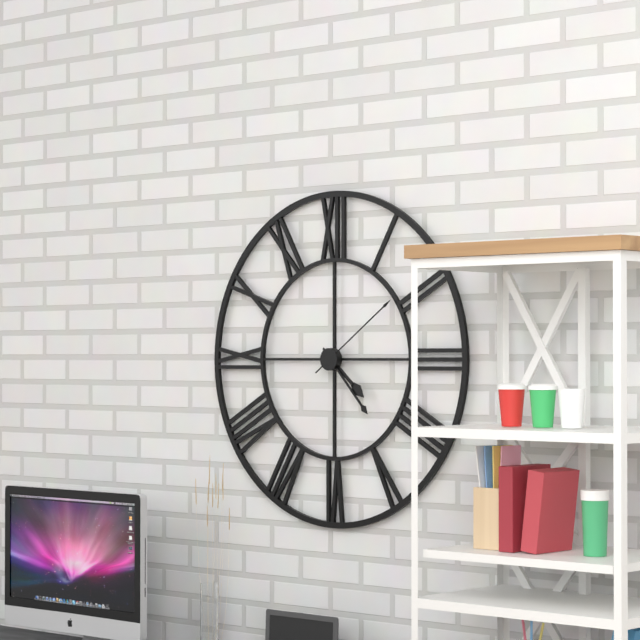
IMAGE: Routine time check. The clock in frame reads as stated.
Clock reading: 4:23:09
